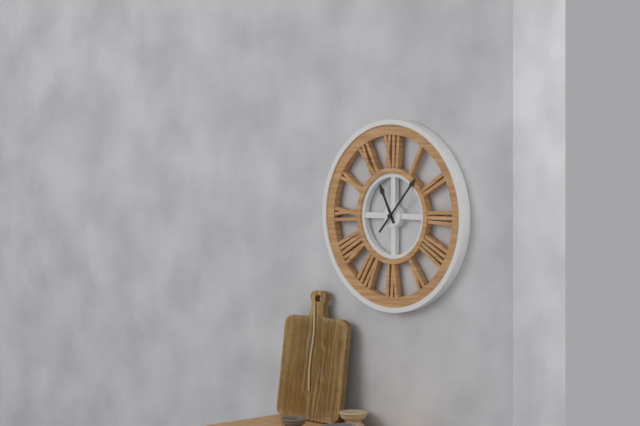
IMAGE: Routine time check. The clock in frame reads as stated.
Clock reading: 11:07
